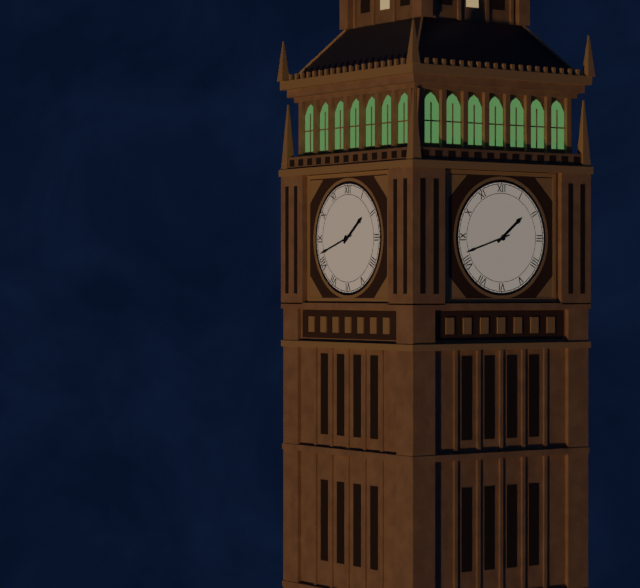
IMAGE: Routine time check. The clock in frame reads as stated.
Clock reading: 1:42
